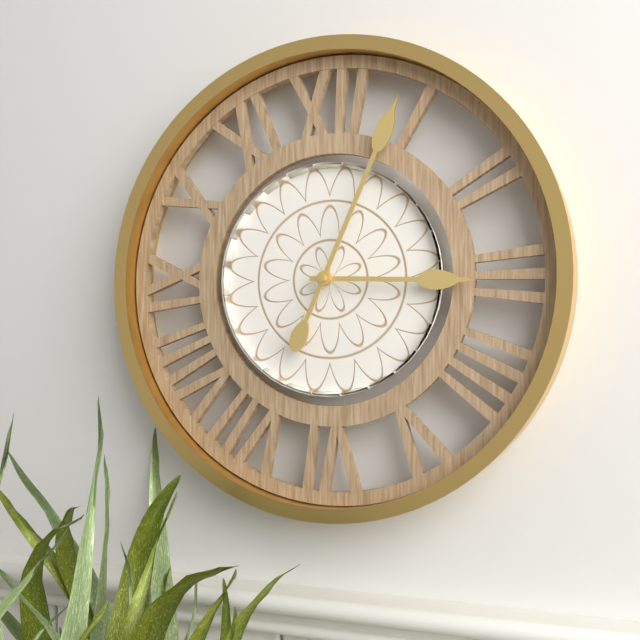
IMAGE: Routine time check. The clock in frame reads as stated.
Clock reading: 3:04
